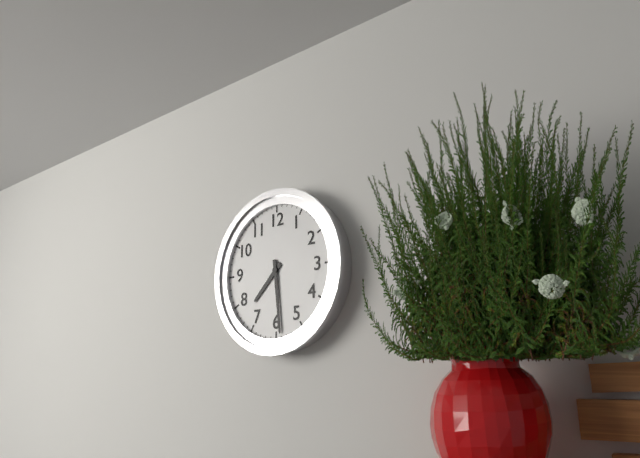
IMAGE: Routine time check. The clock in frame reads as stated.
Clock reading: 7:29
